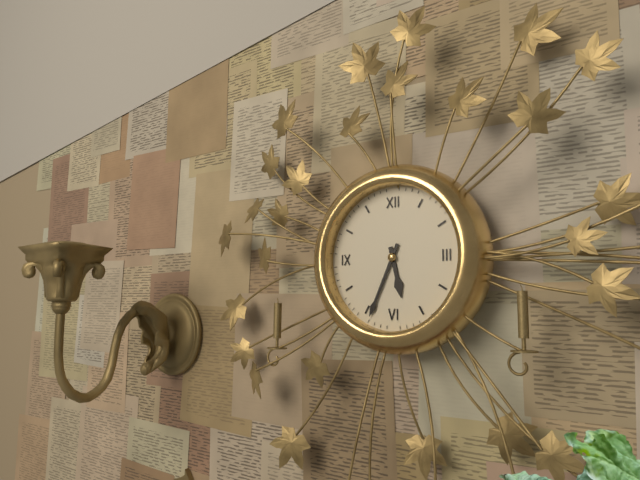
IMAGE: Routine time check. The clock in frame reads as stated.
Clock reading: 5:34
